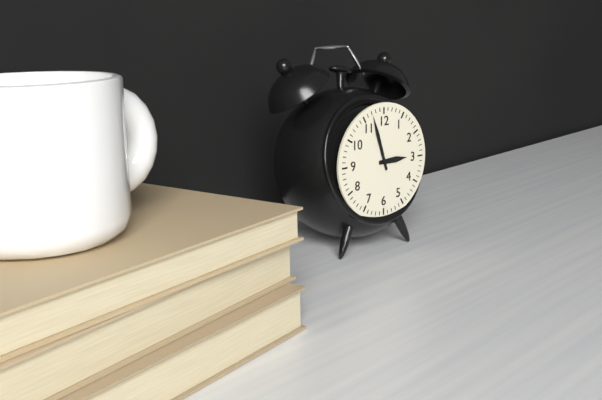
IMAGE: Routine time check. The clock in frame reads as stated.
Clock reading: 2:57
